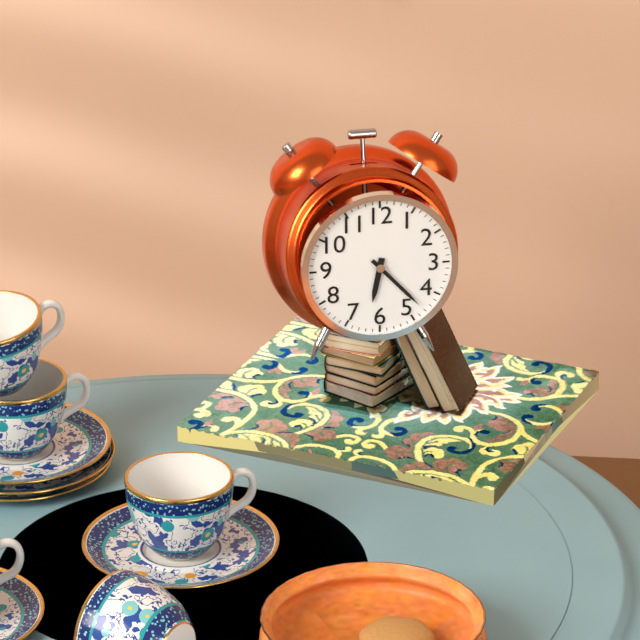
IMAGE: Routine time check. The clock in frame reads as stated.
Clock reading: 6:23
